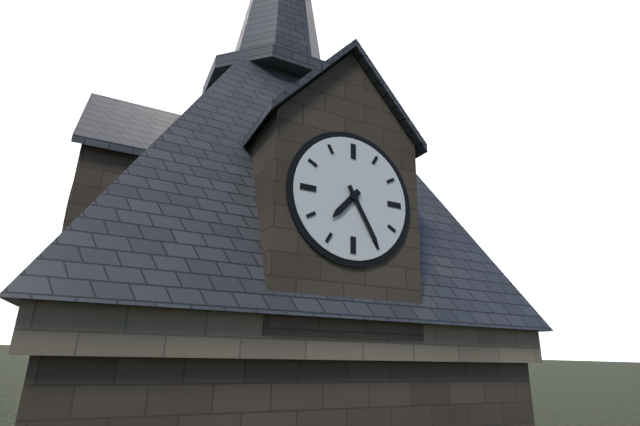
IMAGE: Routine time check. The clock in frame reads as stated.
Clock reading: 7:25
